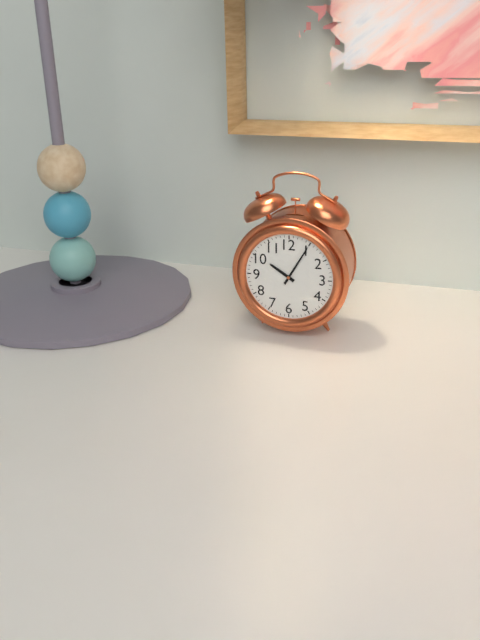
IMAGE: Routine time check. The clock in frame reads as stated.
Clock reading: 10:05
